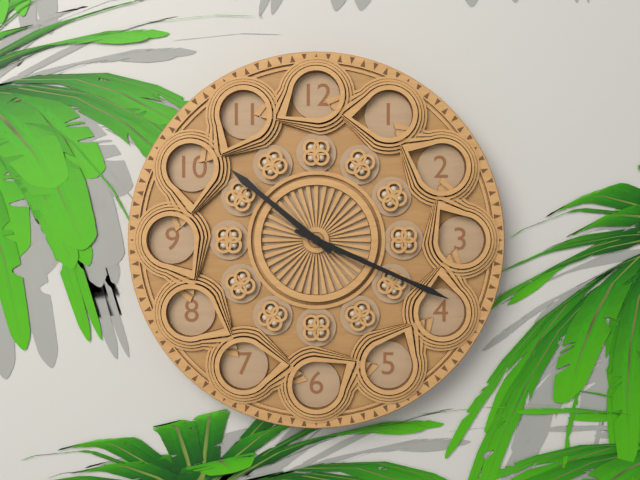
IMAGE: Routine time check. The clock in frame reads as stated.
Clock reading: 10:19
